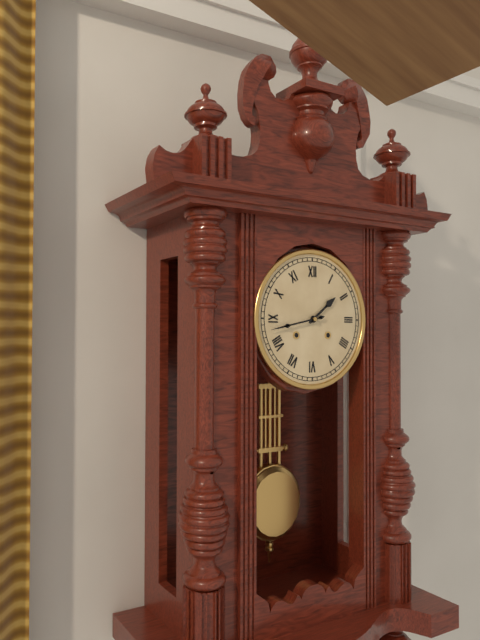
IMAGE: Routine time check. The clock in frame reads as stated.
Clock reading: 1:43
